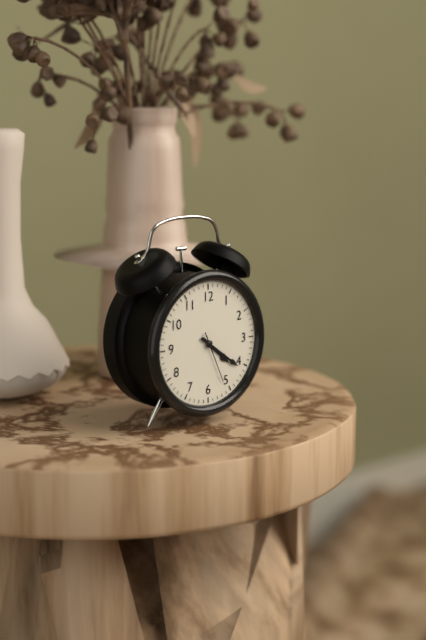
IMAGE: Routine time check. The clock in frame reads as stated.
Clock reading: 4:21:26
